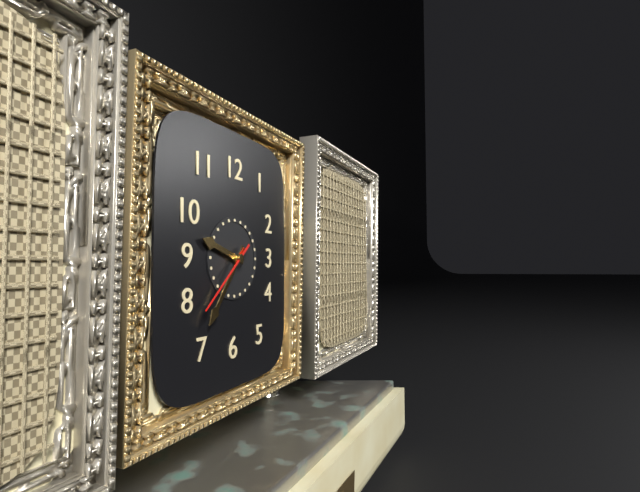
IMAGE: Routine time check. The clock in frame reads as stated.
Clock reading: 9:36:38
